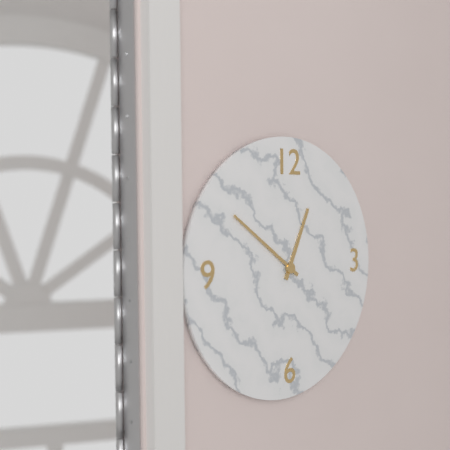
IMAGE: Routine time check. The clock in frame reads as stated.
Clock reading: 12:51
